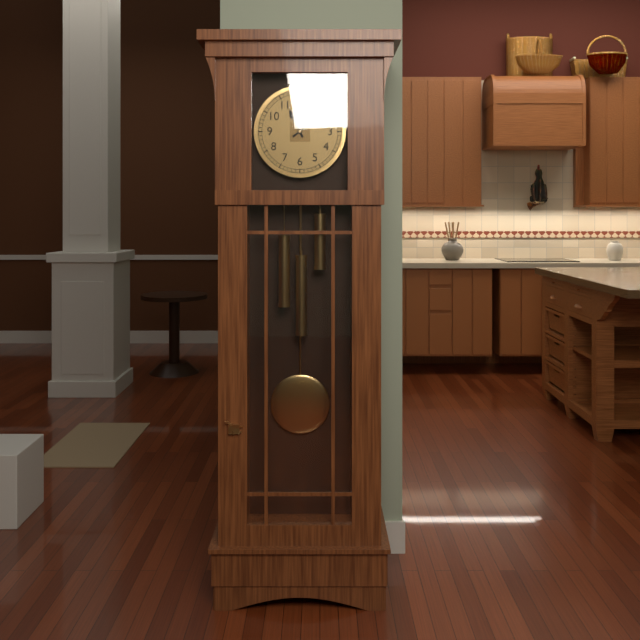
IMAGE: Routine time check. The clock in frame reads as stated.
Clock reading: 11:09
